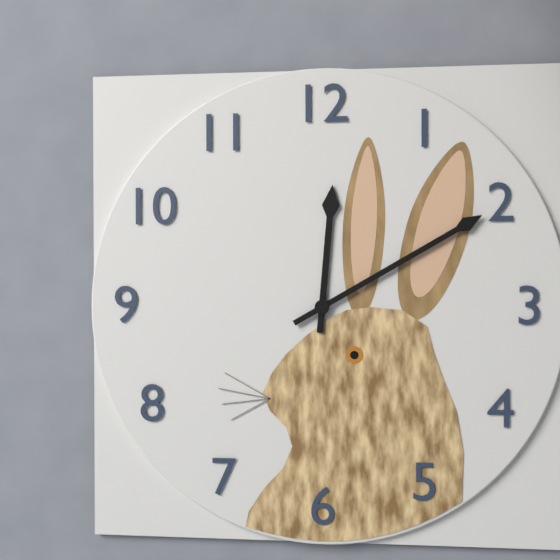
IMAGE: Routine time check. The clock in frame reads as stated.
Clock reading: 12:10
